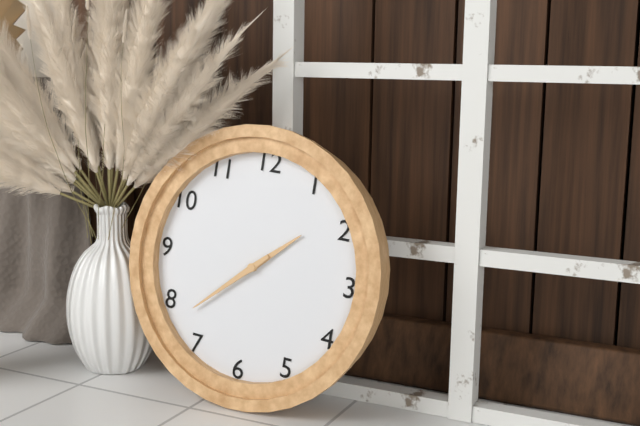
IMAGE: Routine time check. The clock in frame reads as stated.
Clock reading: 1:38
